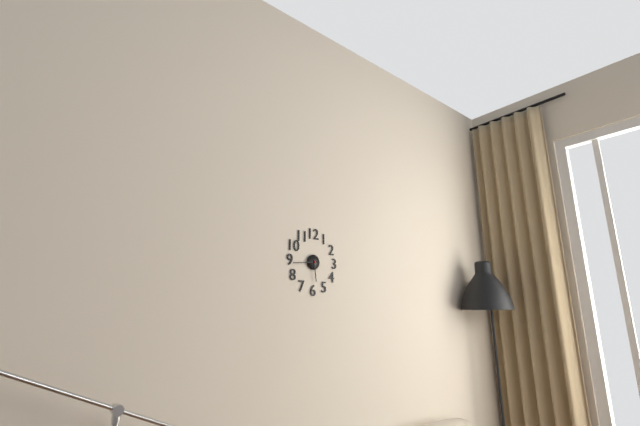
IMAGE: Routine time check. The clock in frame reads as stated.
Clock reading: 5:44
